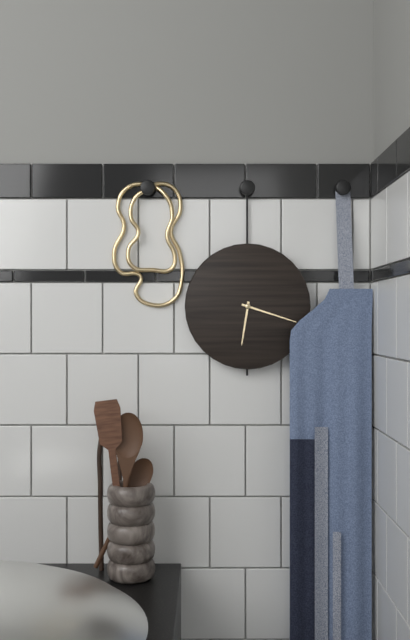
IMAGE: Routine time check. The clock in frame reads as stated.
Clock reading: 6:18
